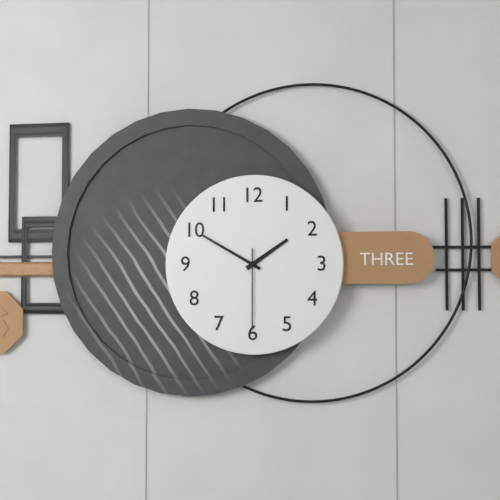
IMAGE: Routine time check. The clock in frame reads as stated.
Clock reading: 1:50:30
